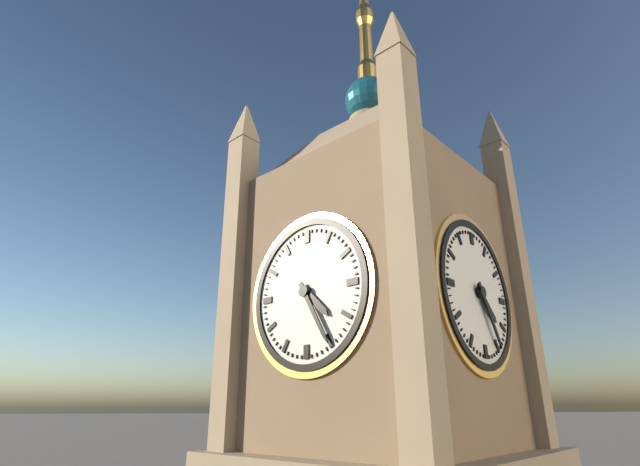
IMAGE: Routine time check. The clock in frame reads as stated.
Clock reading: 4:25
